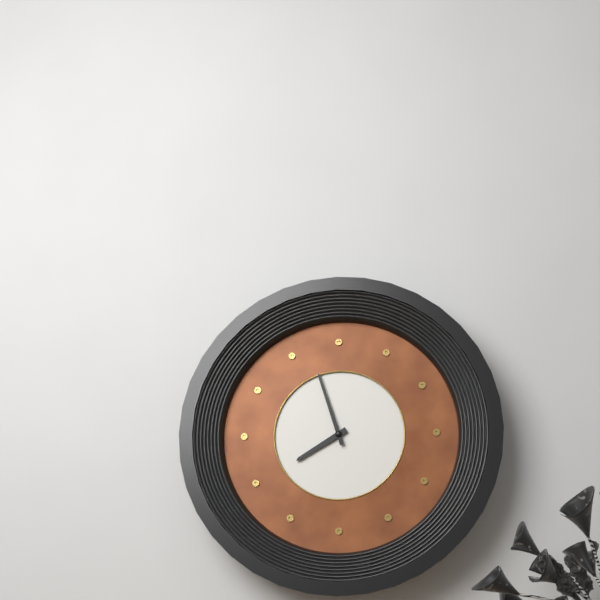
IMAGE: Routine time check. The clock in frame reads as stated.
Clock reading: 7:57
